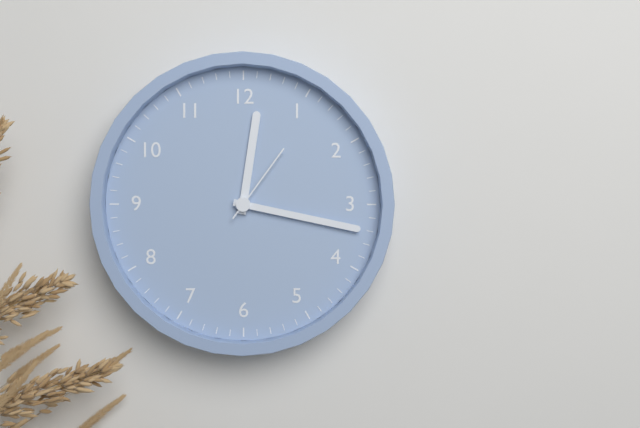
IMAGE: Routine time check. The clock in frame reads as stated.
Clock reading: 12:17:06
